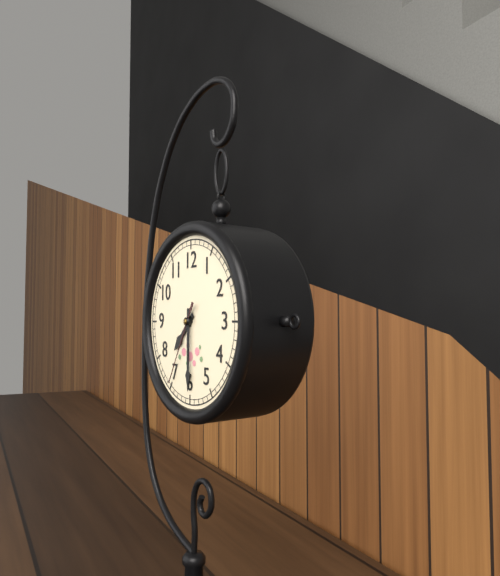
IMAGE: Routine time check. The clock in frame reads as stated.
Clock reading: 7:30:35
